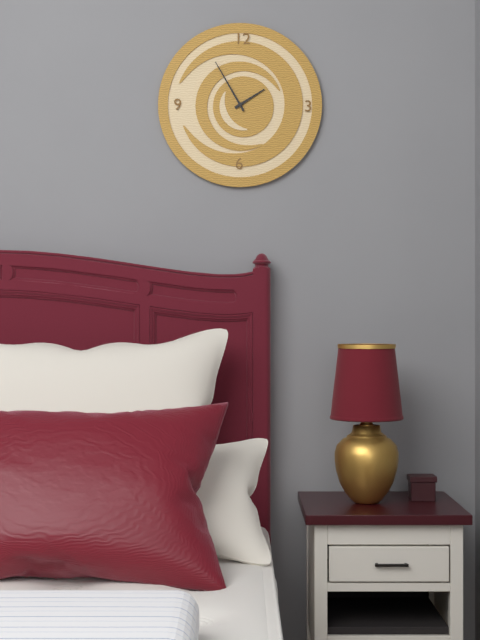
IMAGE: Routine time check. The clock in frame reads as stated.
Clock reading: 1:55
